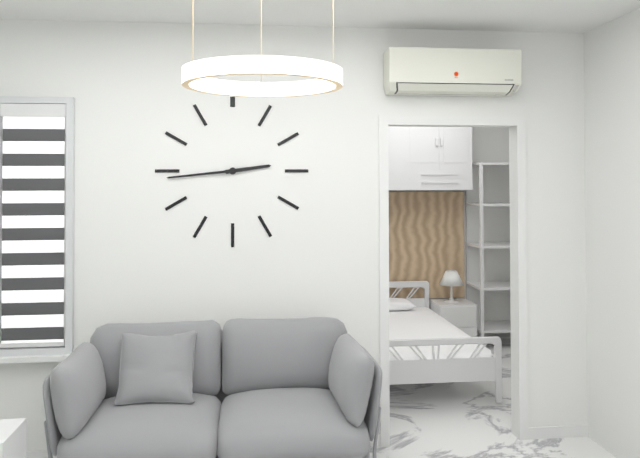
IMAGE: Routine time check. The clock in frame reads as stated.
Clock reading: 2:44
